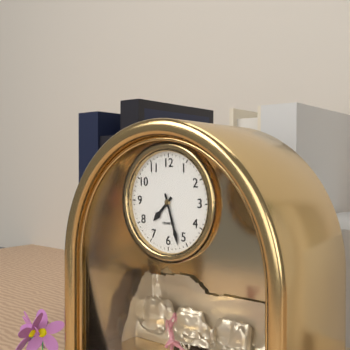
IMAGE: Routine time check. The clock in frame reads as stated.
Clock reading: 7:27
